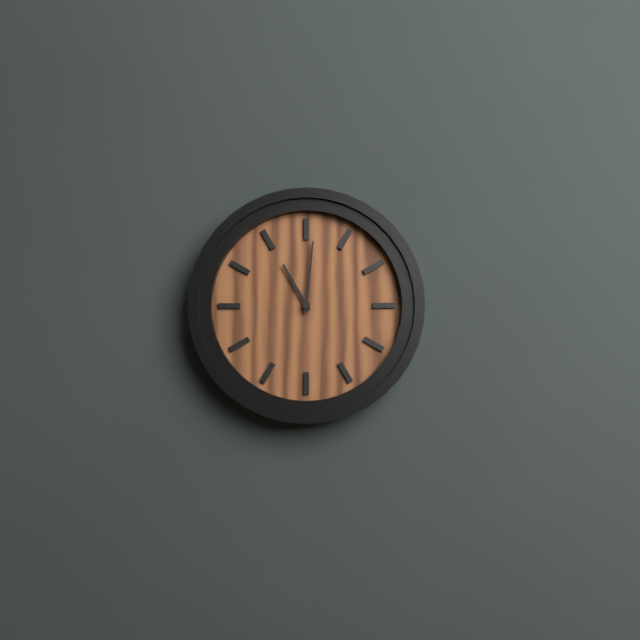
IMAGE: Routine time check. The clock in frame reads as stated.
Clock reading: 11:01
